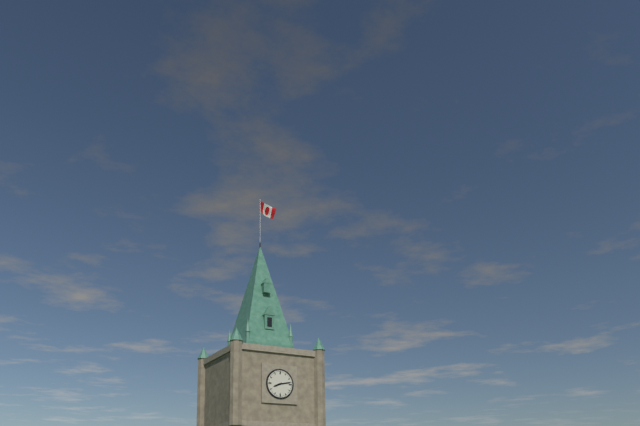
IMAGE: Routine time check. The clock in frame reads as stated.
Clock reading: 8:13
